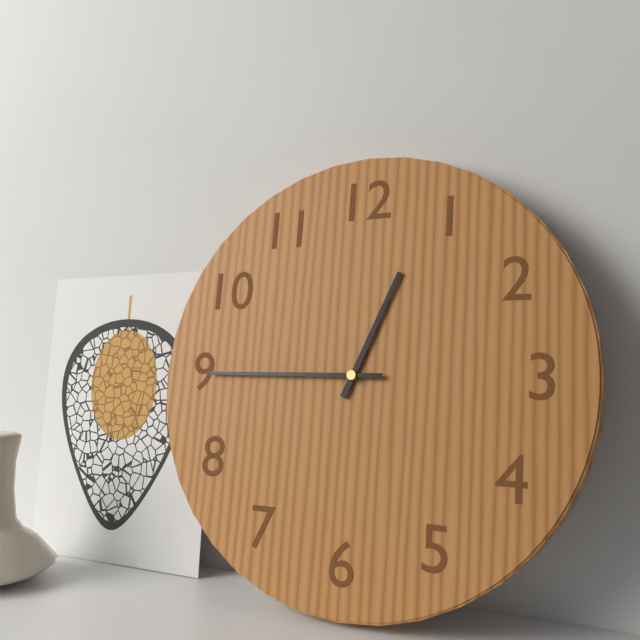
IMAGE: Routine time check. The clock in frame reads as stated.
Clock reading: 12:45
